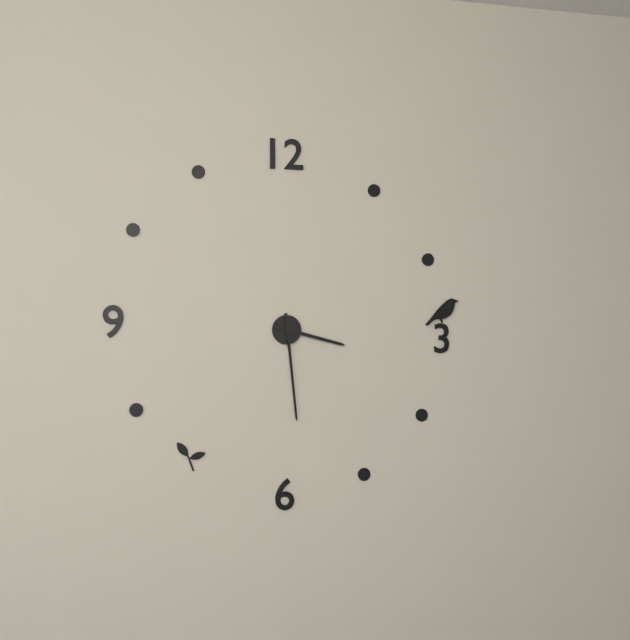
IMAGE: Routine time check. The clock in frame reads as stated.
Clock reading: 3:29
